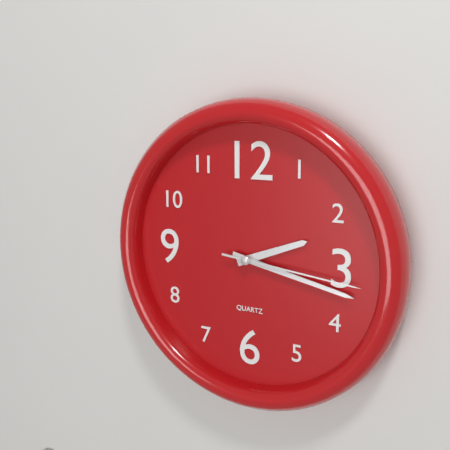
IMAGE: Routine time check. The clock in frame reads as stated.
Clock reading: 2:17:16
